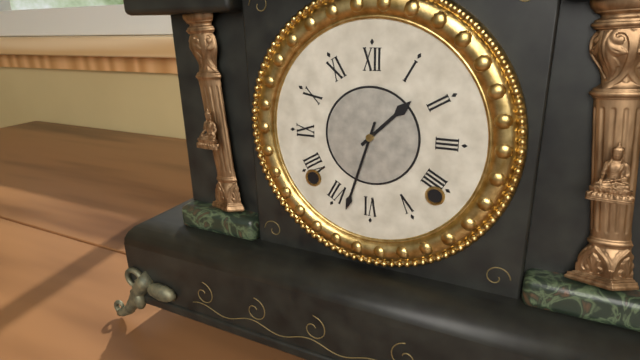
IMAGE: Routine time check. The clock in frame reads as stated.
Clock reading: 1:33
